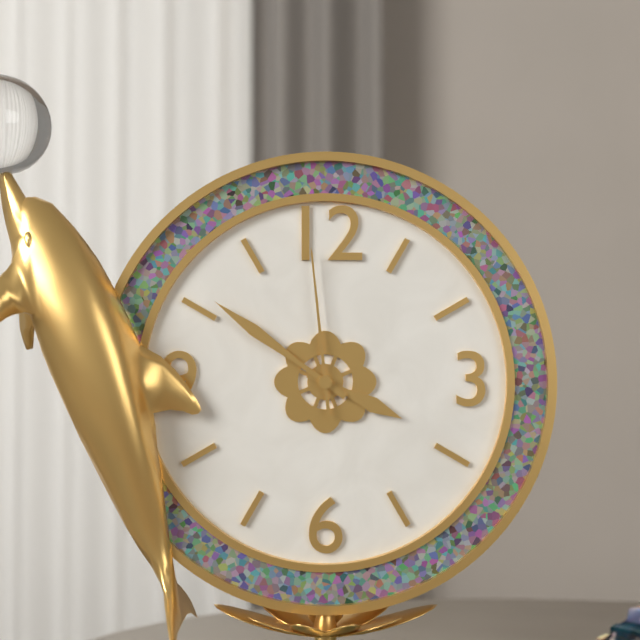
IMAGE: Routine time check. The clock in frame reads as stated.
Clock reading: 3:51:59
